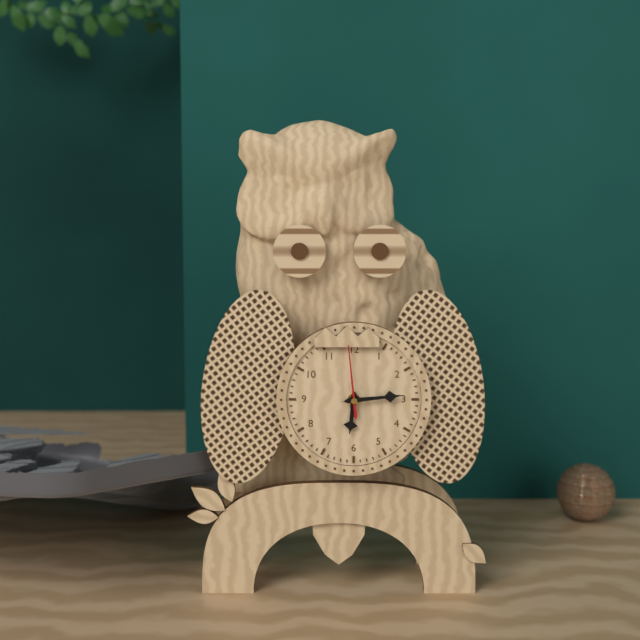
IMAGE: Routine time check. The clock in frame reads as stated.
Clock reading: 6:14:59
